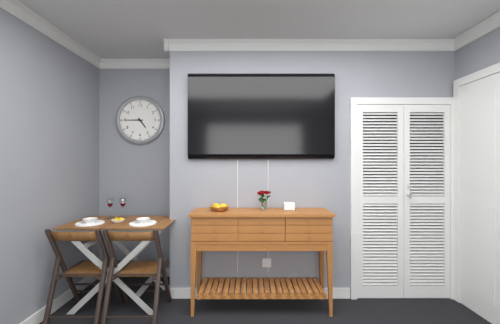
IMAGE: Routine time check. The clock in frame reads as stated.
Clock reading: 4:45
